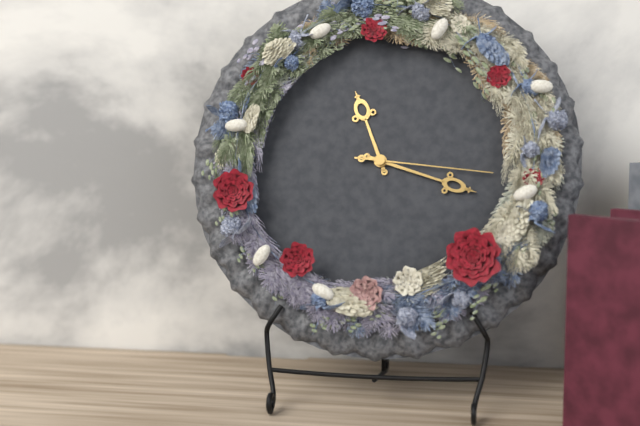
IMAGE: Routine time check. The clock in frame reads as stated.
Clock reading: 11:18:16
